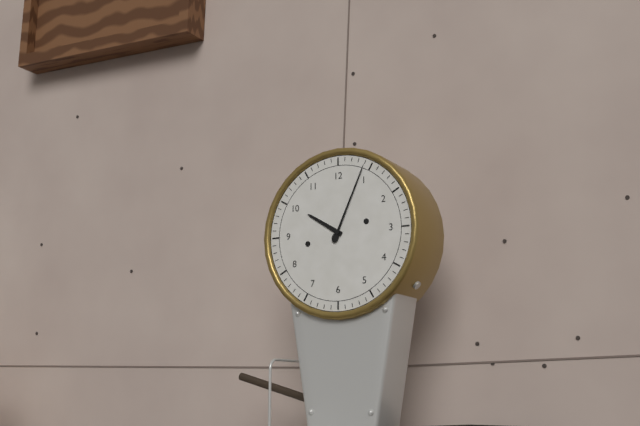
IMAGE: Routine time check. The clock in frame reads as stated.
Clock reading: 10:04
